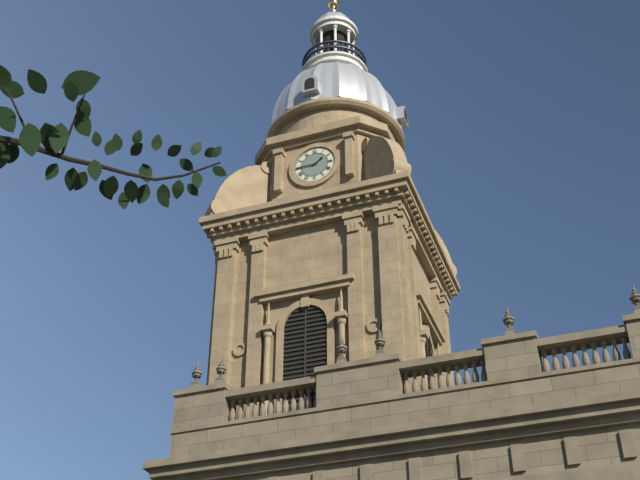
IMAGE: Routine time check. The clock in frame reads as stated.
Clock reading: 1:45
